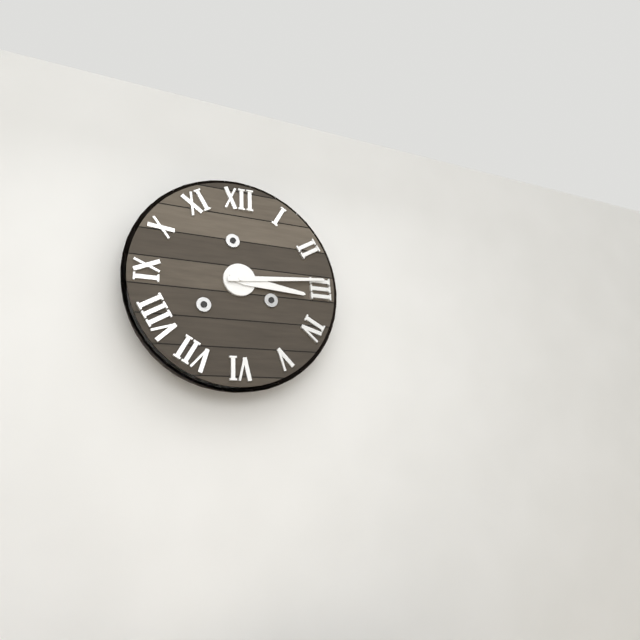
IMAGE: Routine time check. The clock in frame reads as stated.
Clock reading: 3:14
